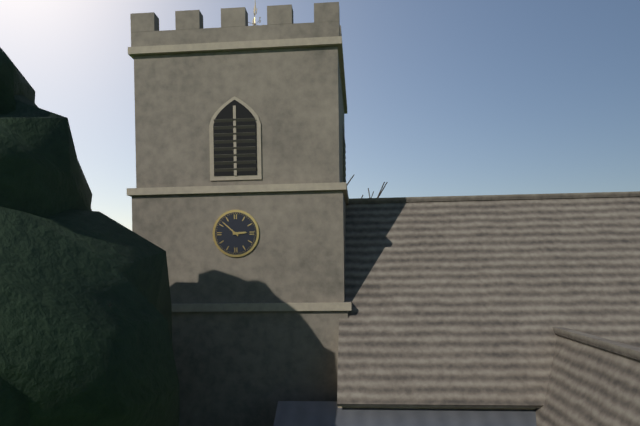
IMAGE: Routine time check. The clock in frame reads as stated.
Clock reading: 2:52
